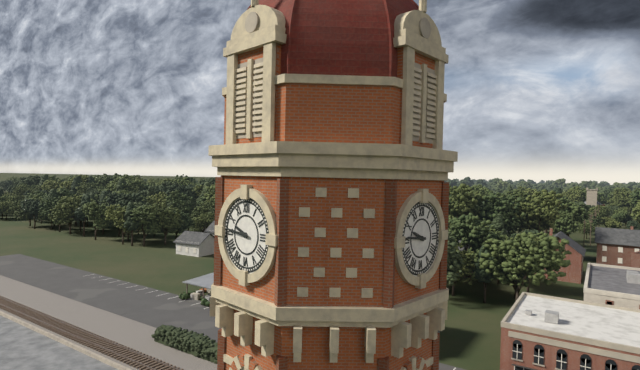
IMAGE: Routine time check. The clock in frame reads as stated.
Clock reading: 9:46
